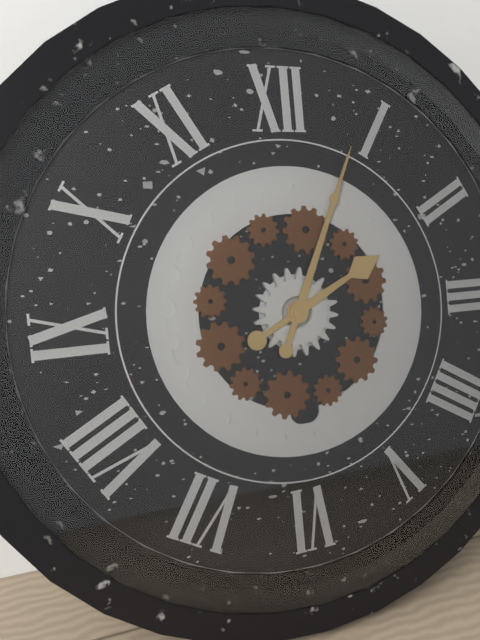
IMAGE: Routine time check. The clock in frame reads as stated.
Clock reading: 2:04
